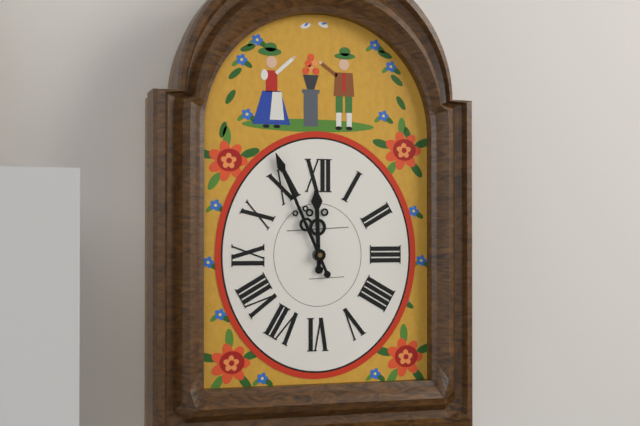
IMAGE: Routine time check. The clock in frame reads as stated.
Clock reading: 11:56
